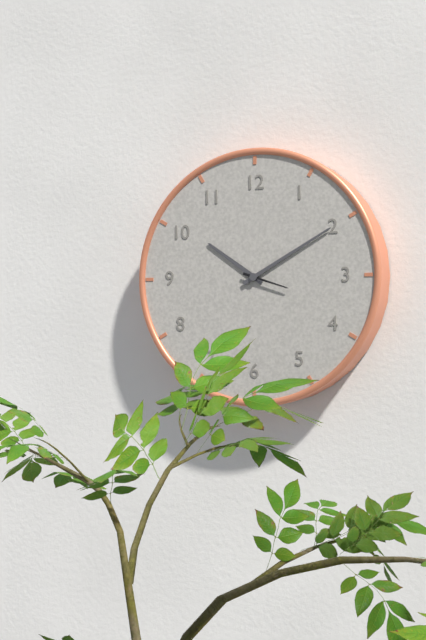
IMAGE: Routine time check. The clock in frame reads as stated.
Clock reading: 10:10
